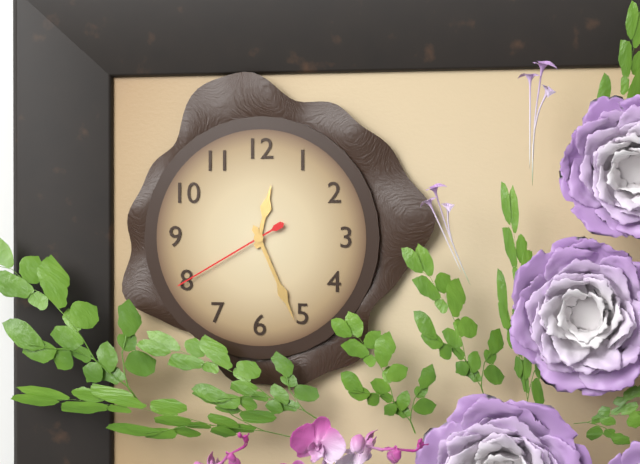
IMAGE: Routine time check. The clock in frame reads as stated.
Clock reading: 12:26:40
